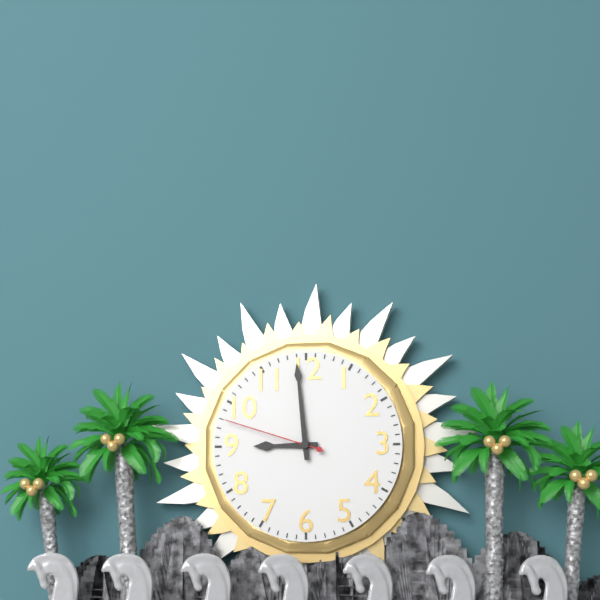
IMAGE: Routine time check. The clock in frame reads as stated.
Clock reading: 8:59:48
